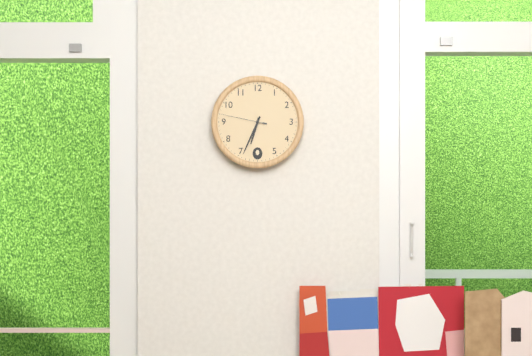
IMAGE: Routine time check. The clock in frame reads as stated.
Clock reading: 6:34
